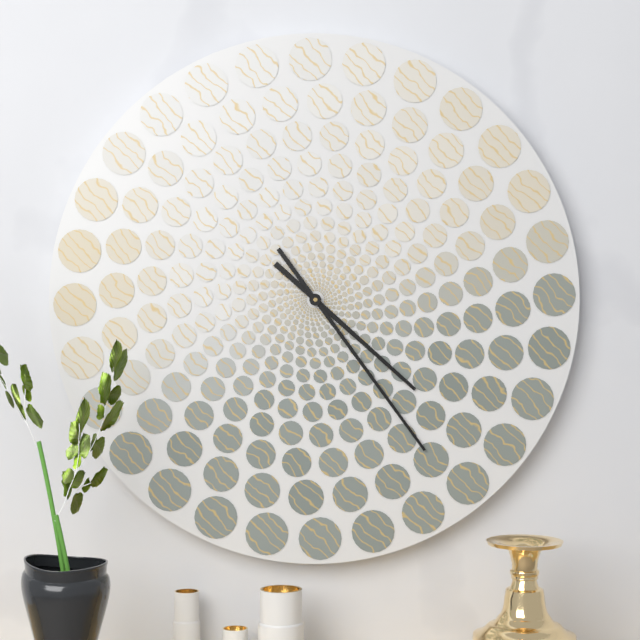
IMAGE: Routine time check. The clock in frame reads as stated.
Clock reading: 4:24
